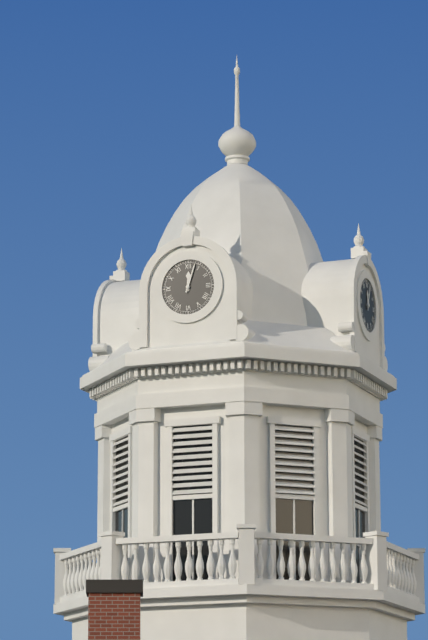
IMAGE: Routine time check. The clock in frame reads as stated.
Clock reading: 12:03
